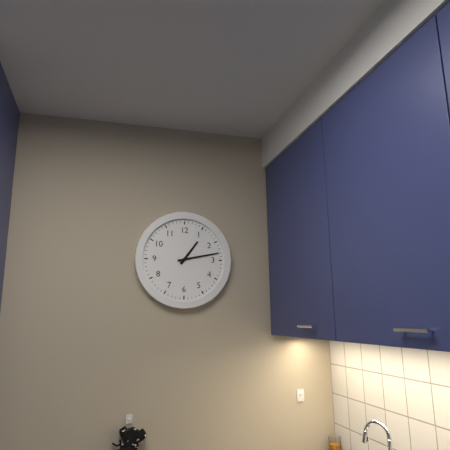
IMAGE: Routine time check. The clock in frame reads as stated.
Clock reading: 1:13
